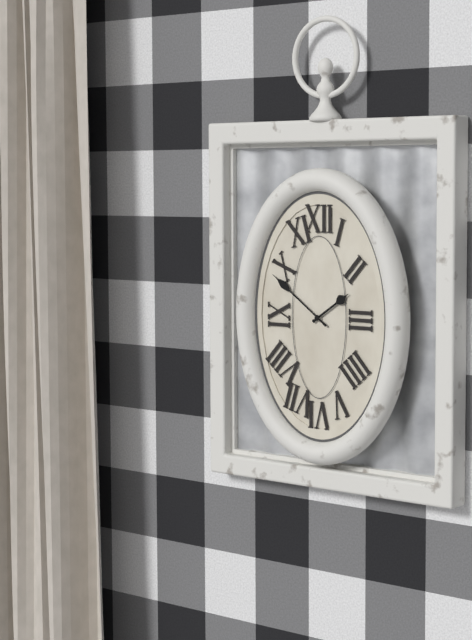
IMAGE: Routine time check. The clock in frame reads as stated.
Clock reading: 1:51
